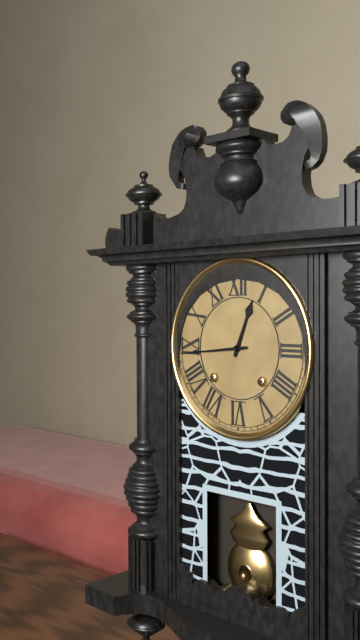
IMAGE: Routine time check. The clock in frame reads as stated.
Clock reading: 12:44
